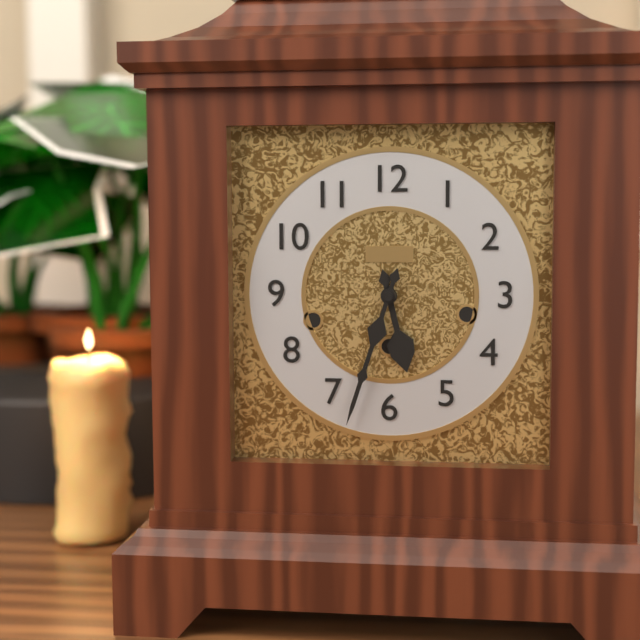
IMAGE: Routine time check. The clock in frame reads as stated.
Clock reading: 5:33
